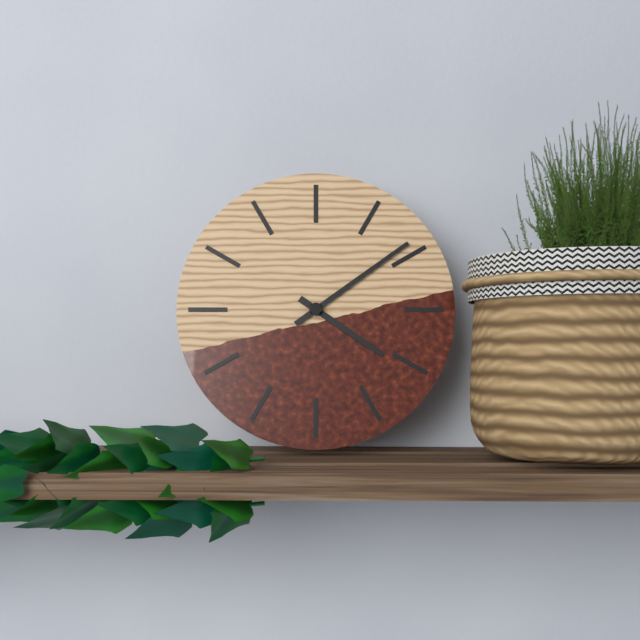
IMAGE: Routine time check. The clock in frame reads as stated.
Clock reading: 4:09
